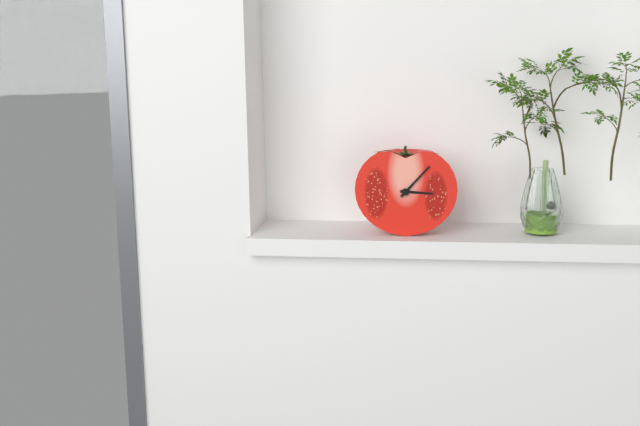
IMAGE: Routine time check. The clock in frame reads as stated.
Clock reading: 3:07
